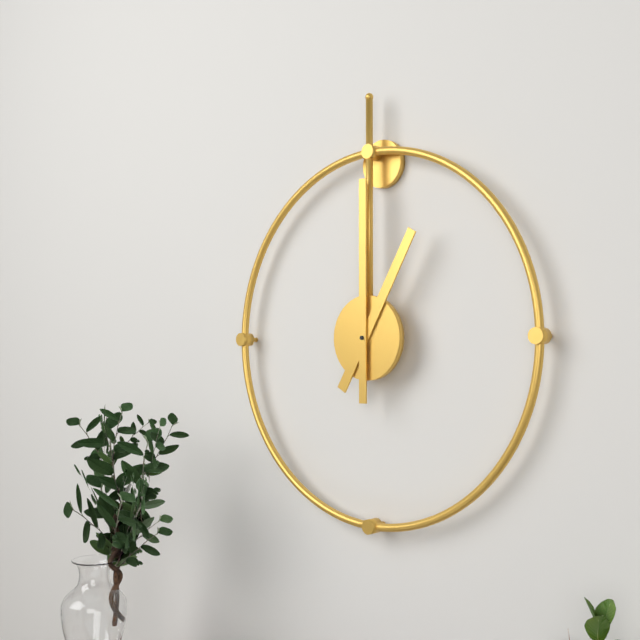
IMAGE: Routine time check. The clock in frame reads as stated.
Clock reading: 1:00
